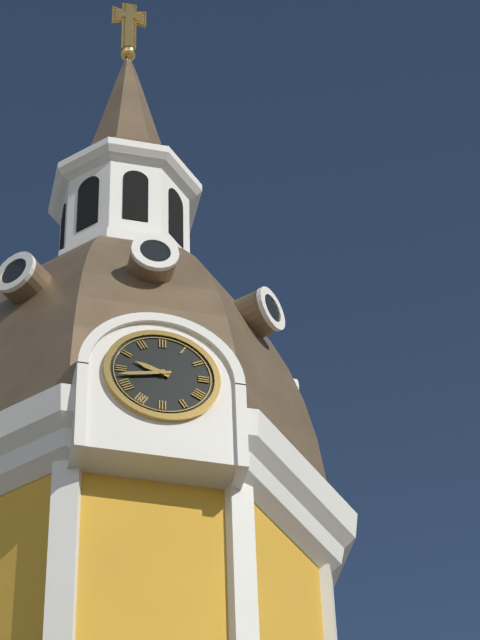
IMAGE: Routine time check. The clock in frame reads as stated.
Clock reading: 9:43
